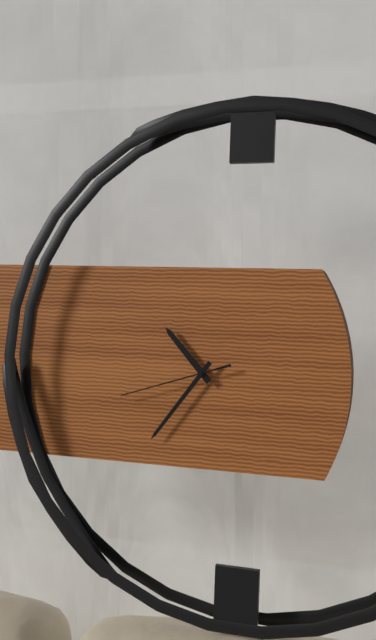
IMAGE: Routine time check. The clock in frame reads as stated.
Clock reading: 10:36:42
